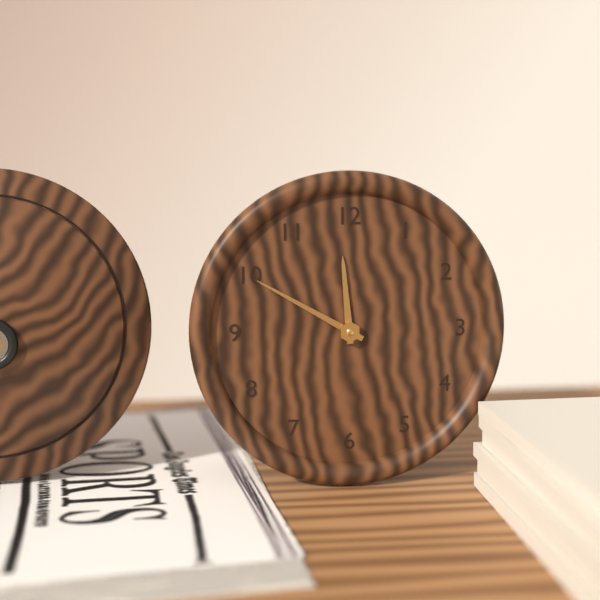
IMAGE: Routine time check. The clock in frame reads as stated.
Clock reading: 11:50
